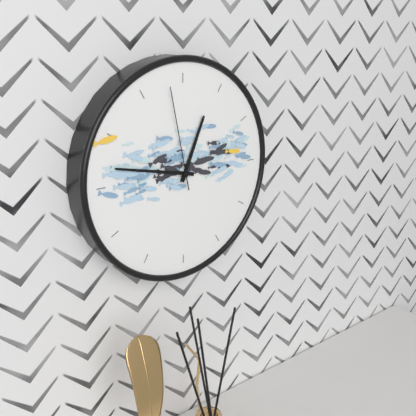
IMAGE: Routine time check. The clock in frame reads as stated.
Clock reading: 12:47:58
